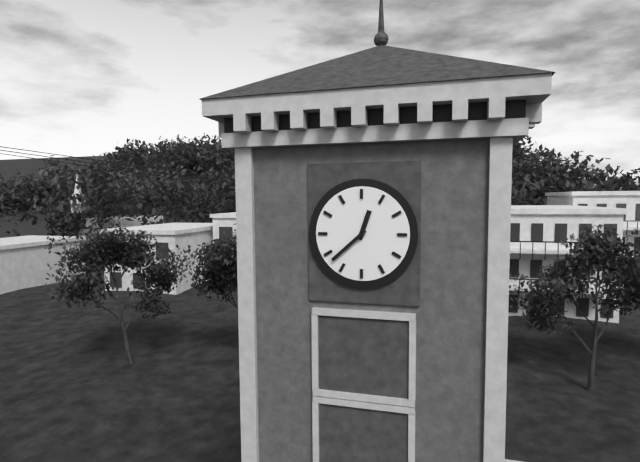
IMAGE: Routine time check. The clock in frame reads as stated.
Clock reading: 12:38
